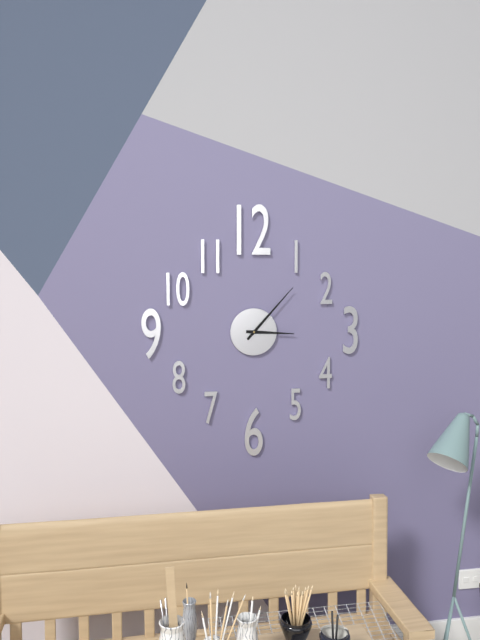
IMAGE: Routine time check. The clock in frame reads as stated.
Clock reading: 3:07
